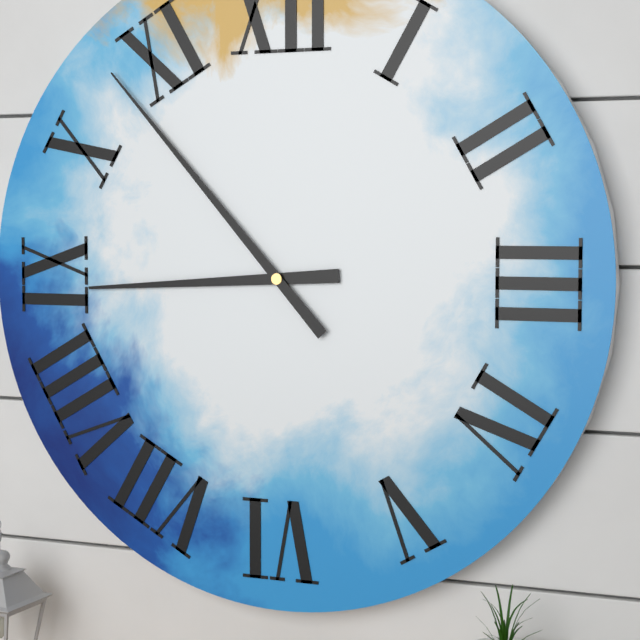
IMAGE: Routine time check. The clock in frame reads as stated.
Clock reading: 8:53
